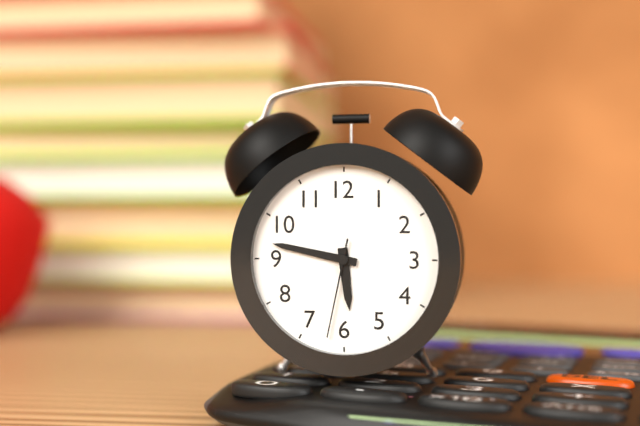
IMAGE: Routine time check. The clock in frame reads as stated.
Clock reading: 5:47:32
